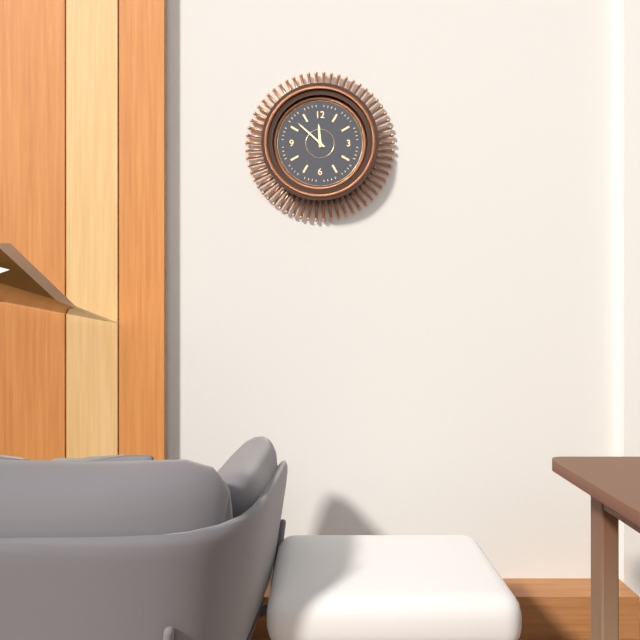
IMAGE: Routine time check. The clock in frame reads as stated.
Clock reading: 11:52
